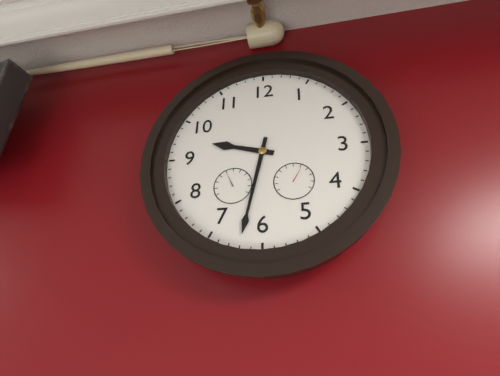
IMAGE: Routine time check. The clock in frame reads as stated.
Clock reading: 9:32
